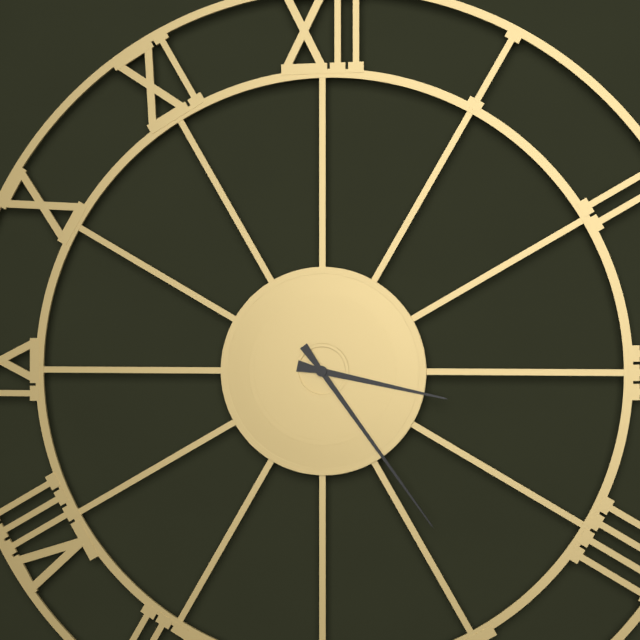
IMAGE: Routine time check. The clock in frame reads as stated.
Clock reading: 3:24
